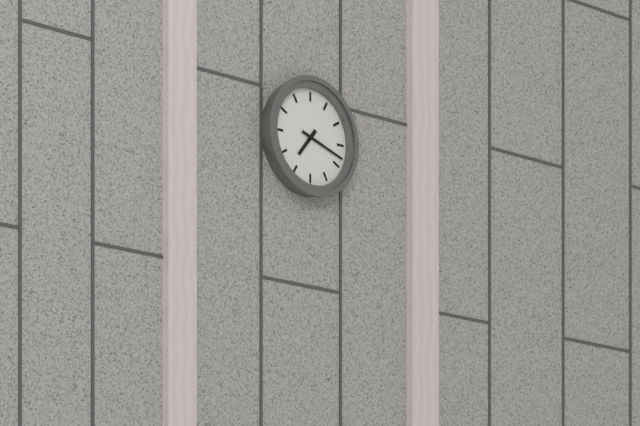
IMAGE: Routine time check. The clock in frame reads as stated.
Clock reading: 7:18
